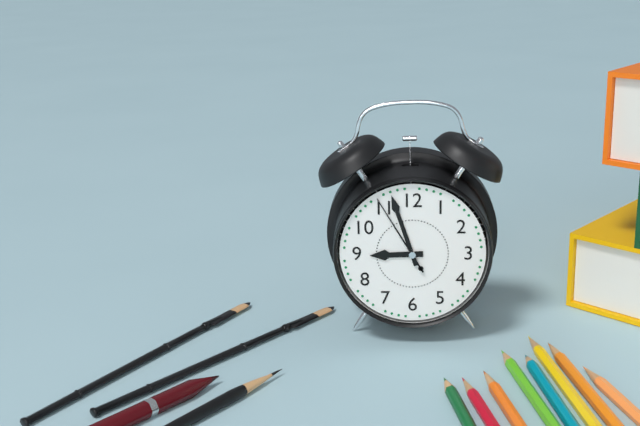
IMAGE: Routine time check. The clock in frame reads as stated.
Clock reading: 8:57:55
